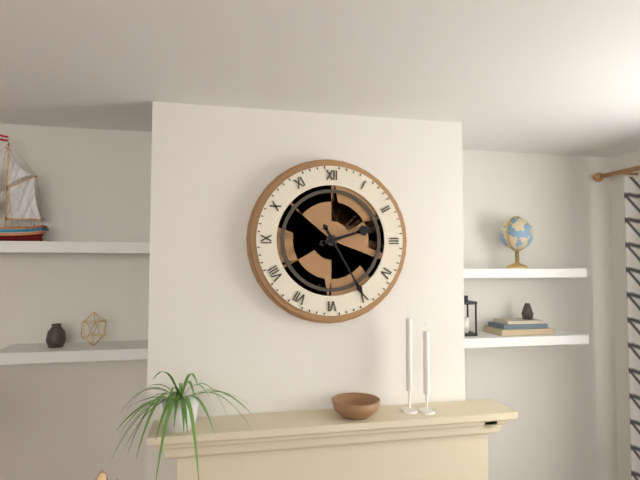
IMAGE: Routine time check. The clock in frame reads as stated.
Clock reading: 2:25
